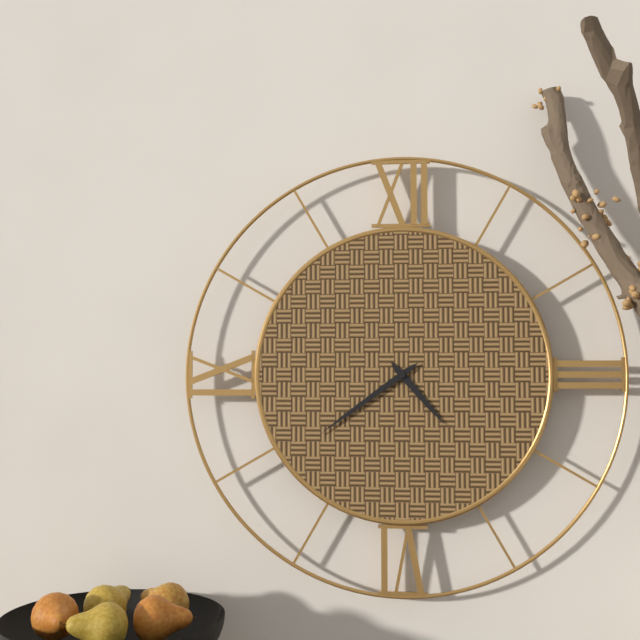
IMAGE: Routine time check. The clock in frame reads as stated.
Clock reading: 4:39
